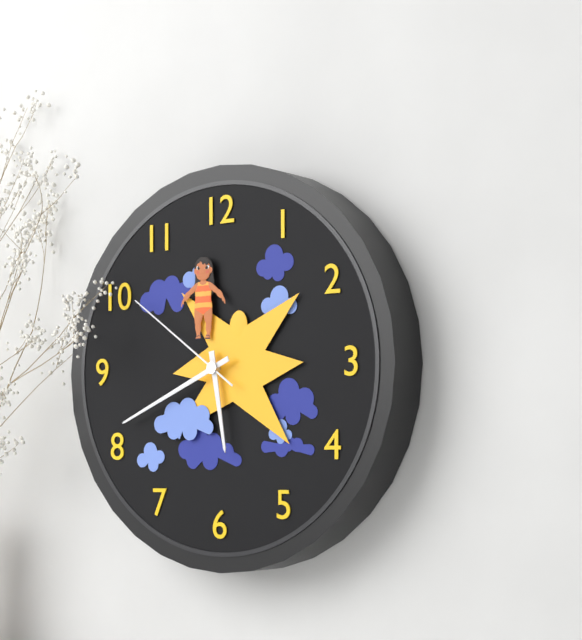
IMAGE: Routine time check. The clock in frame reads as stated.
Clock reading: 5:41:51
